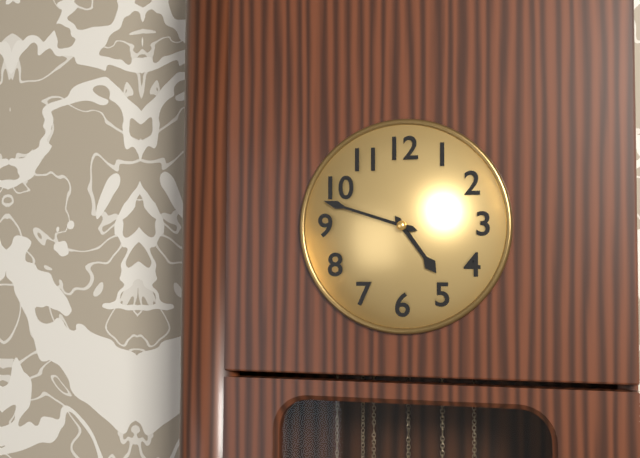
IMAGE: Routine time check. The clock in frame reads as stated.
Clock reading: 4:48
